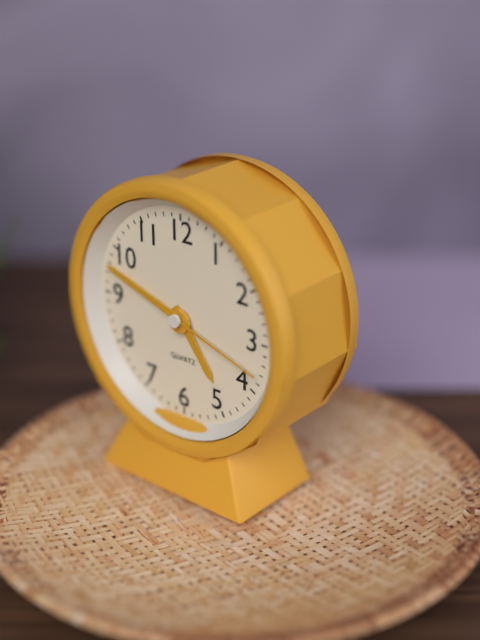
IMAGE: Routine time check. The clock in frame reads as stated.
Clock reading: 4:48:18
